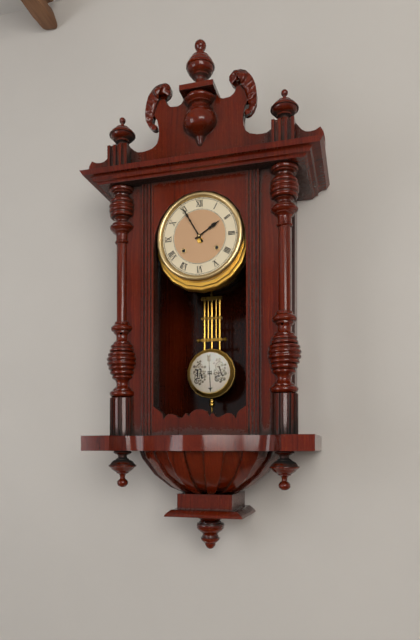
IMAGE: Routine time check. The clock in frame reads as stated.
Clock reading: 1:55
